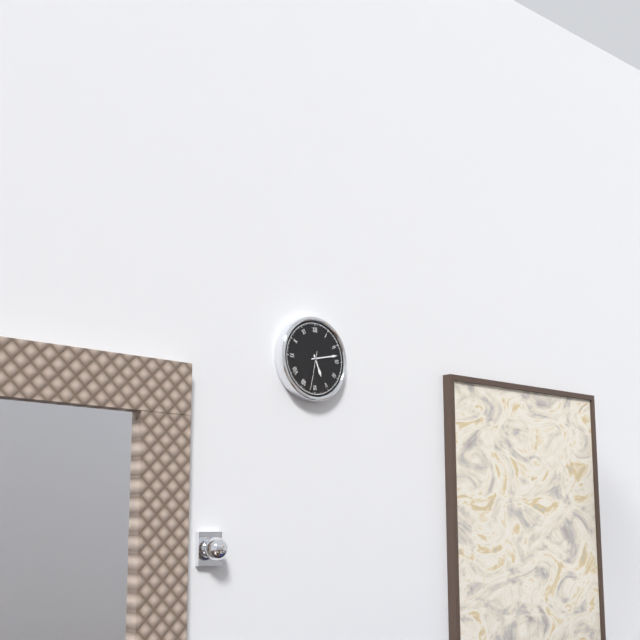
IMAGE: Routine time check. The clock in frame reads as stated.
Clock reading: 5:13
